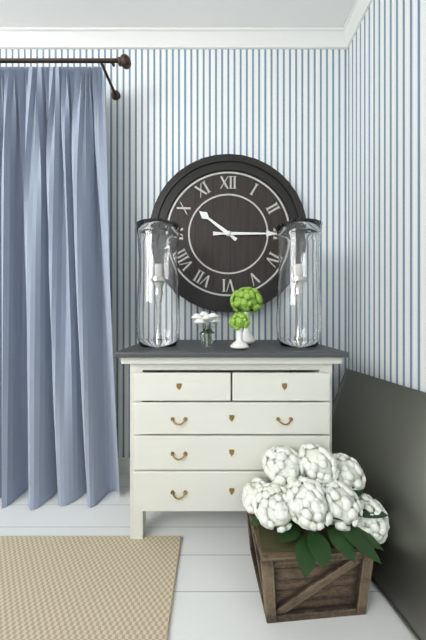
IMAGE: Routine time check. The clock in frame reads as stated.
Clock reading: 10:15
